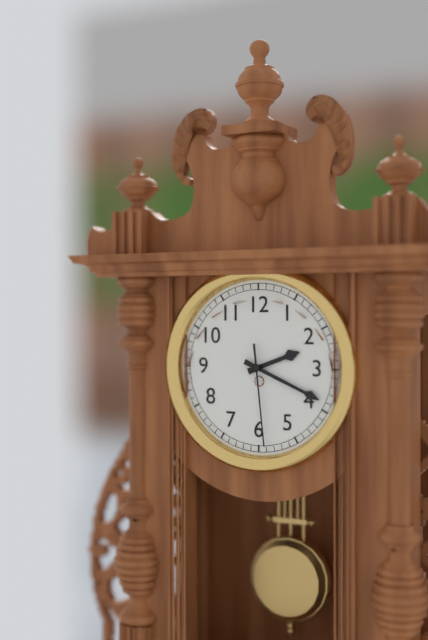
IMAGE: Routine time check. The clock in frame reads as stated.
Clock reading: 2:19:29
